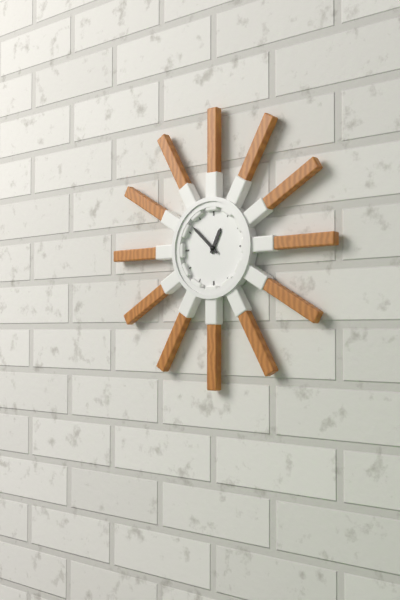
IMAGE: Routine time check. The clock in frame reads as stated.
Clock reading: 12:52
